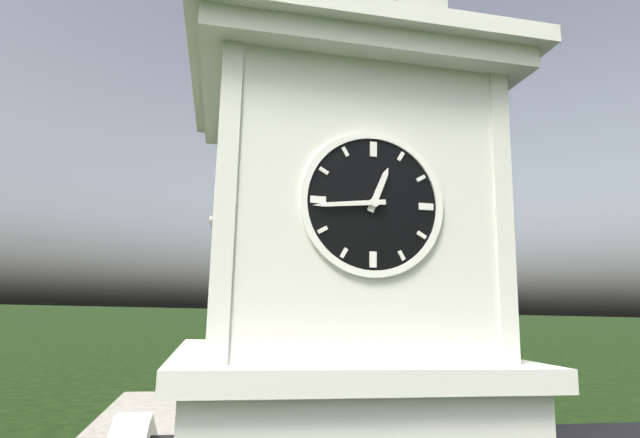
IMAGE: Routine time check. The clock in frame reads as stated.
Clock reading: 12:44
